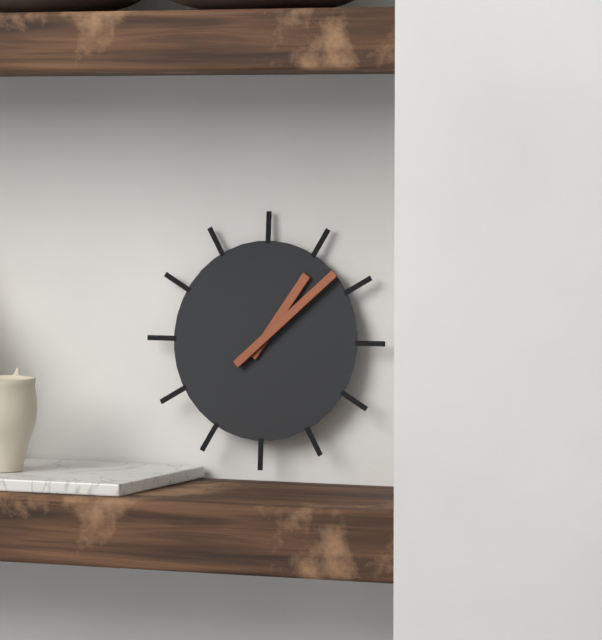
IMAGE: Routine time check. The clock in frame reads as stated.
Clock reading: 1:08
